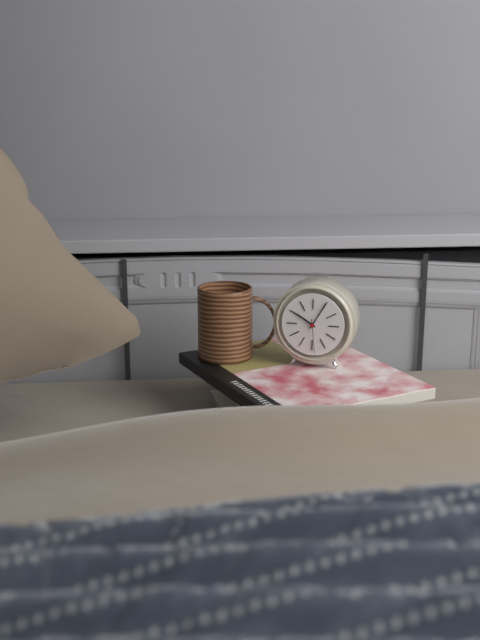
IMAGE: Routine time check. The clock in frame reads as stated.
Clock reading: 10:05
